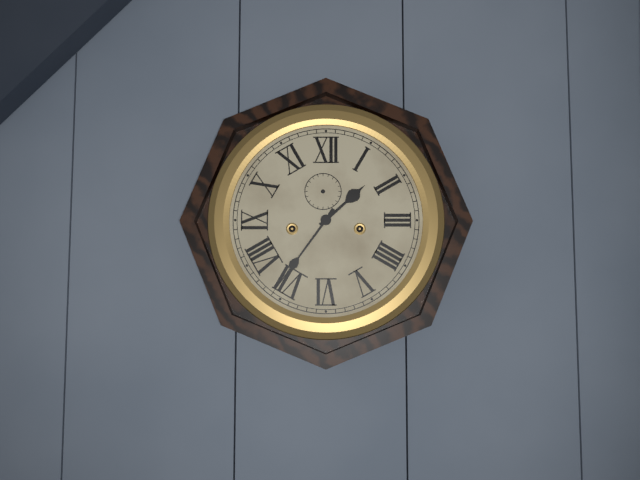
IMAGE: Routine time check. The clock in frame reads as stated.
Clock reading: 1:36
